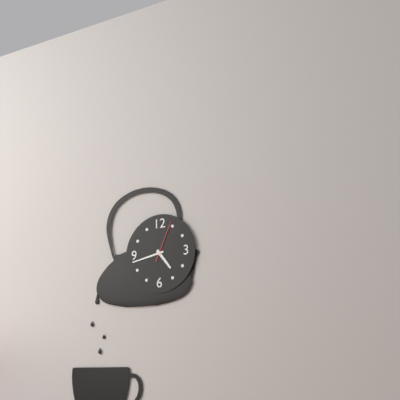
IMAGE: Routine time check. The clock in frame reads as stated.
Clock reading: 4:43
